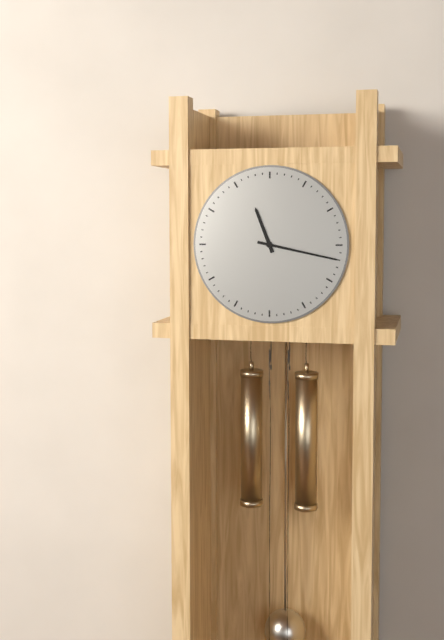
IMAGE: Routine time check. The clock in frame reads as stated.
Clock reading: 11:17
